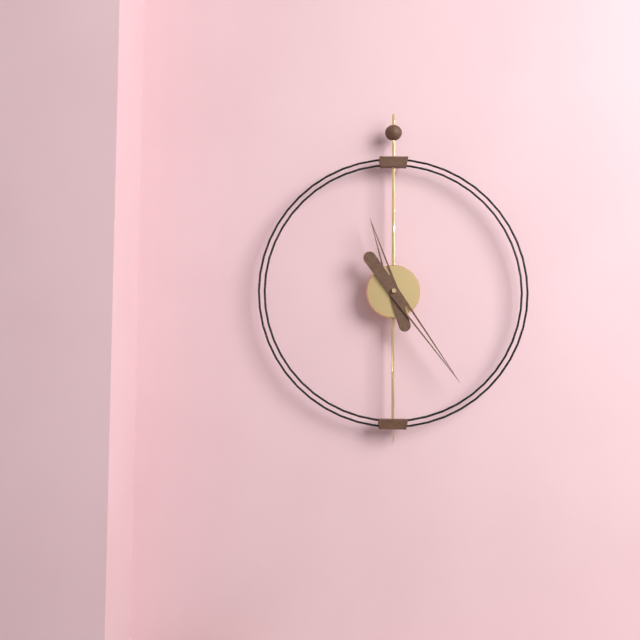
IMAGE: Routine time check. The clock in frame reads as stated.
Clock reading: 11:24
